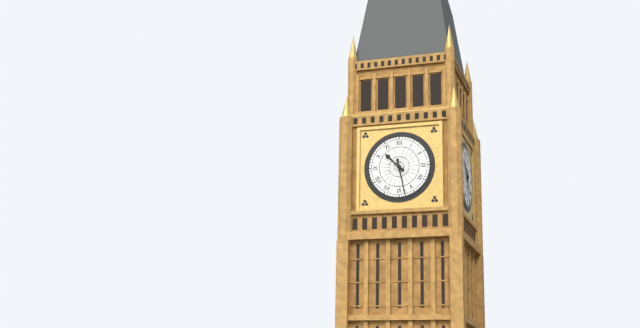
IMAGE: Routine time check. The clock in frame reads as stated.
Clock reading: 10:28
